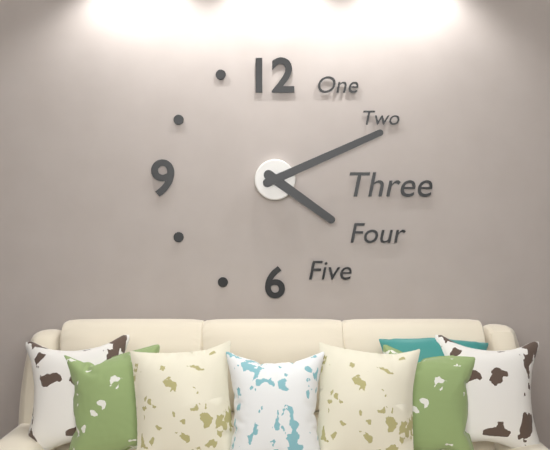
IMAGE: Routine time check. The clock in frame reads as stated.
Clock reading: 4:11
